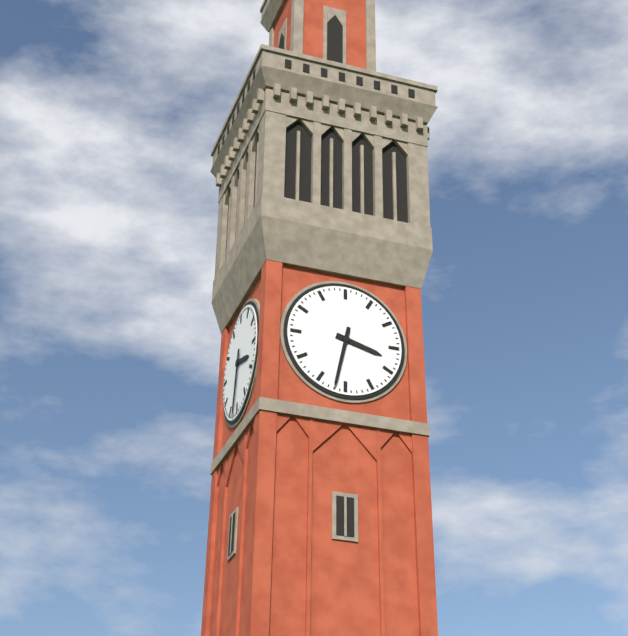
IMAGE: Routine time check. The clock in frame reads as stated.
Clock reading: 3:32
